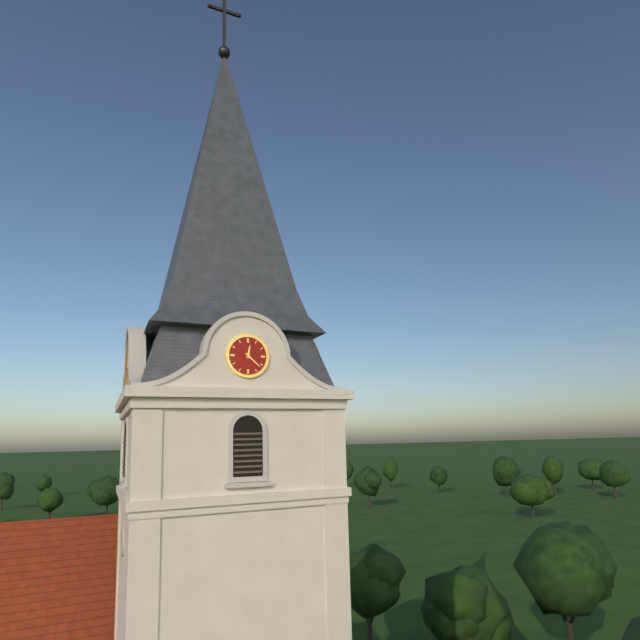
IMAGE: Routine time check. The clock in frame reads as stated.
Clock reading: 12:22
